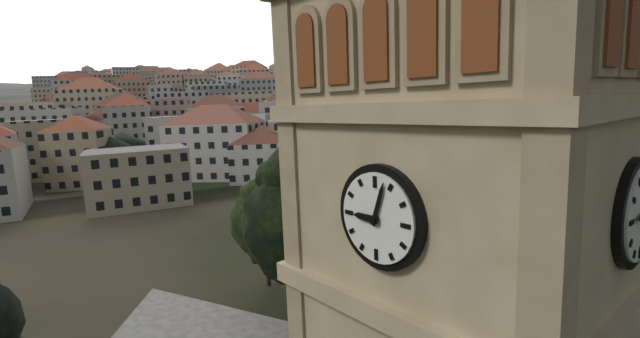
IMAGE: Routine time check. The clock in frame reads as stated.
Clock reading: 9:03
